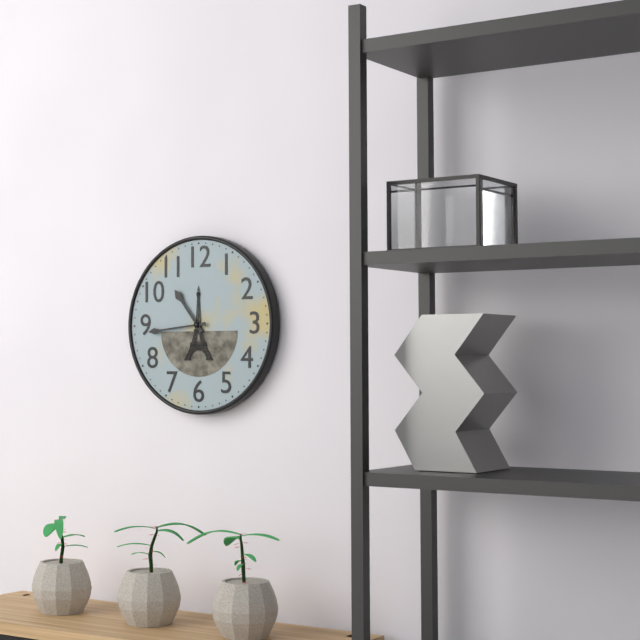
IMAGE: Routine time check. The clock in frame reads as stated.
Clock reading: 10:44
